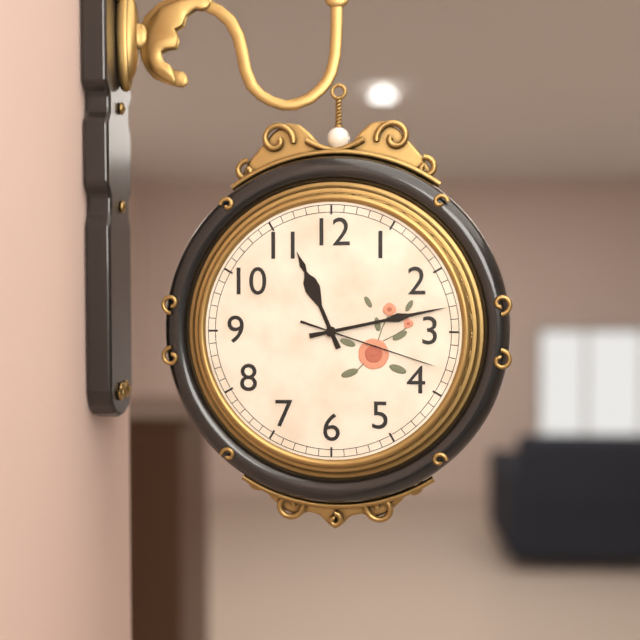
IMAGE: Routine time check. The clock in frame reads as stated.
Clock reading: 11:13:18
